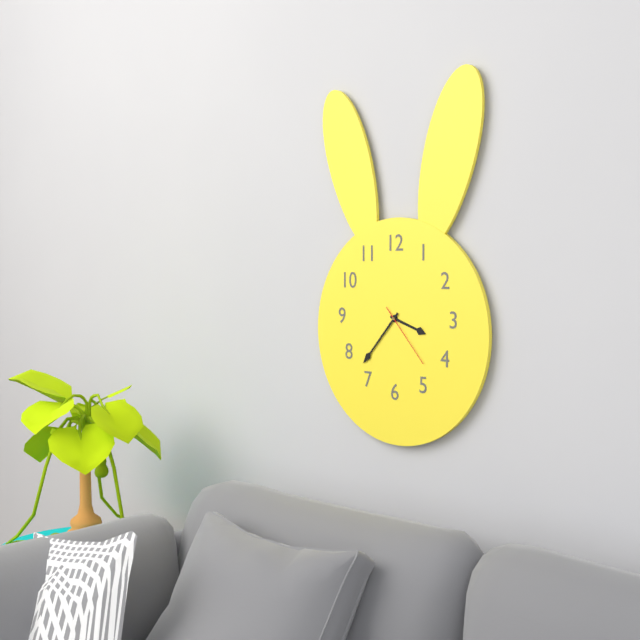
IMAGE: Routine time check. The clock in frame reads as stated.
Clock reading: 3:37:23
